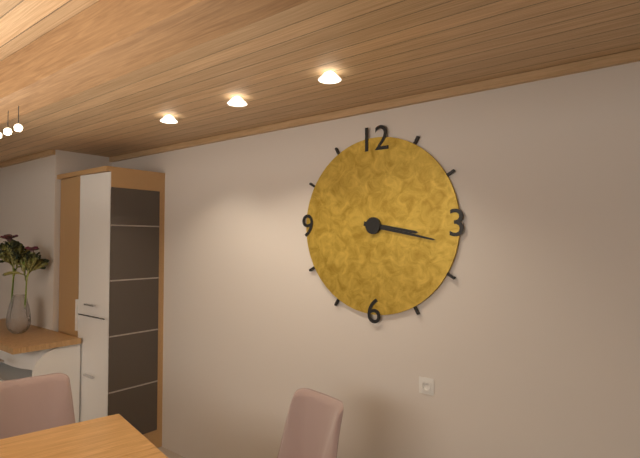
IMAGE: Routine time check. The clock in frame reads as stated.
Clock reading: 3:17
